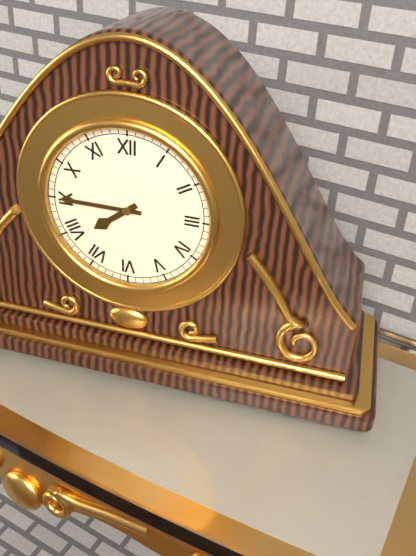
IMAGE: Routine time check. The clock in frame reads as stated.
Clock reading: 7:45
